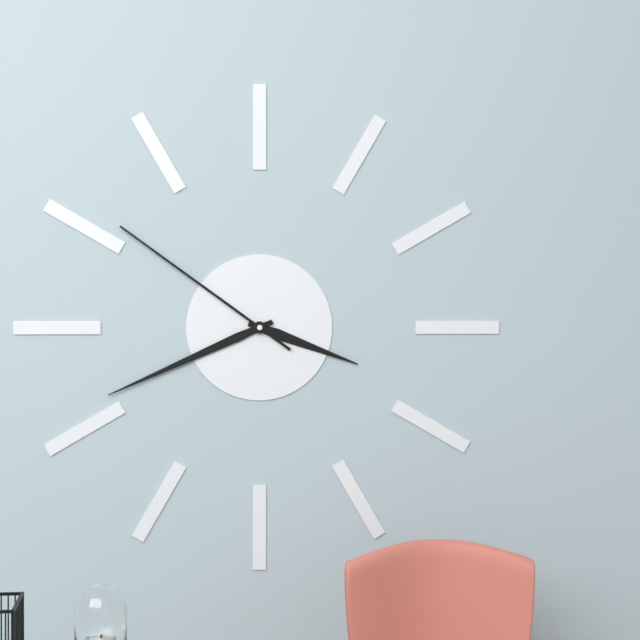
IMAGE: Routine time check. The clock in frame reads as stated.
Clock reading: 3:41:51
